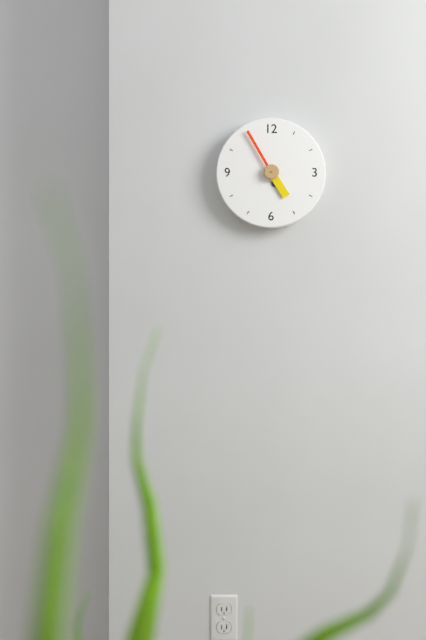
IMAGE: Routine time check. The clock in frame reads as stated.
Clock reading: 4:55
